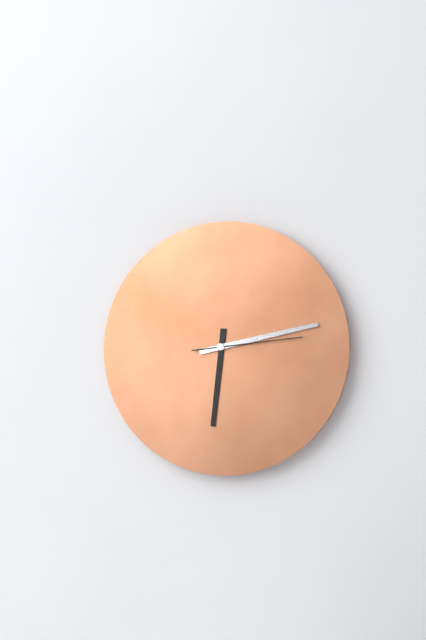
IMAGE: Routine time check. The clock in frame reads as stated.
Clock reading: 6:13:14
